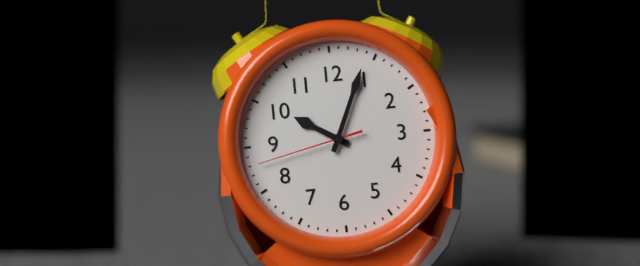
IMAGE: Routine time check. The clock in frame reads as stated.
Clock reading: 10:04:43
